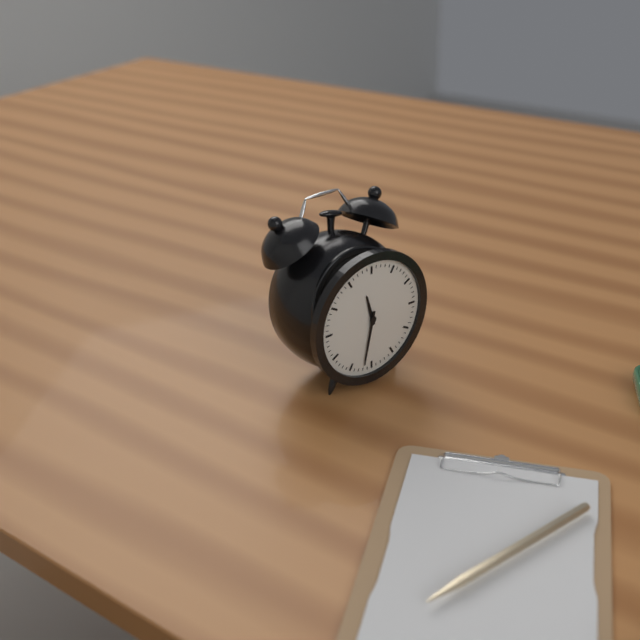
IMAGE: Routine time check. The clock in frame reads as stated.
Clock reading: 11:32
